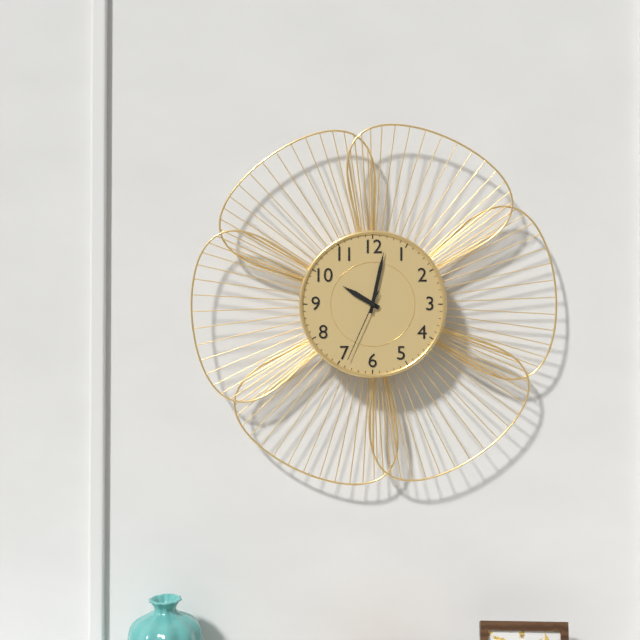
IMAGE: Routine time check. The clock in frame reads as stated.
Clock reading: 10:02:34
